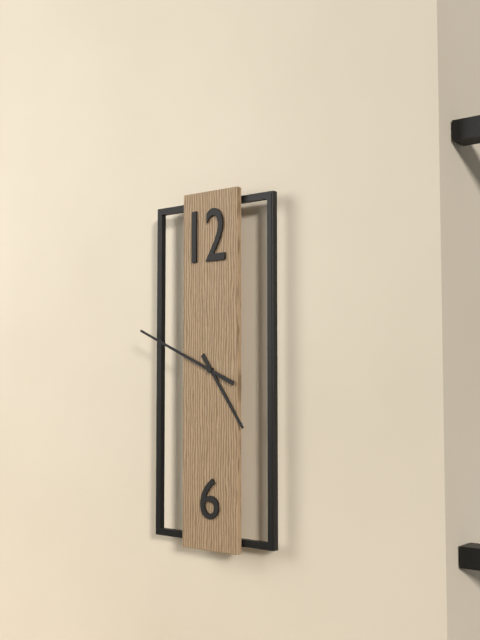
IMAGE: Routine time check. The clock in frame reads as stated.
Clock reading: 4:49
